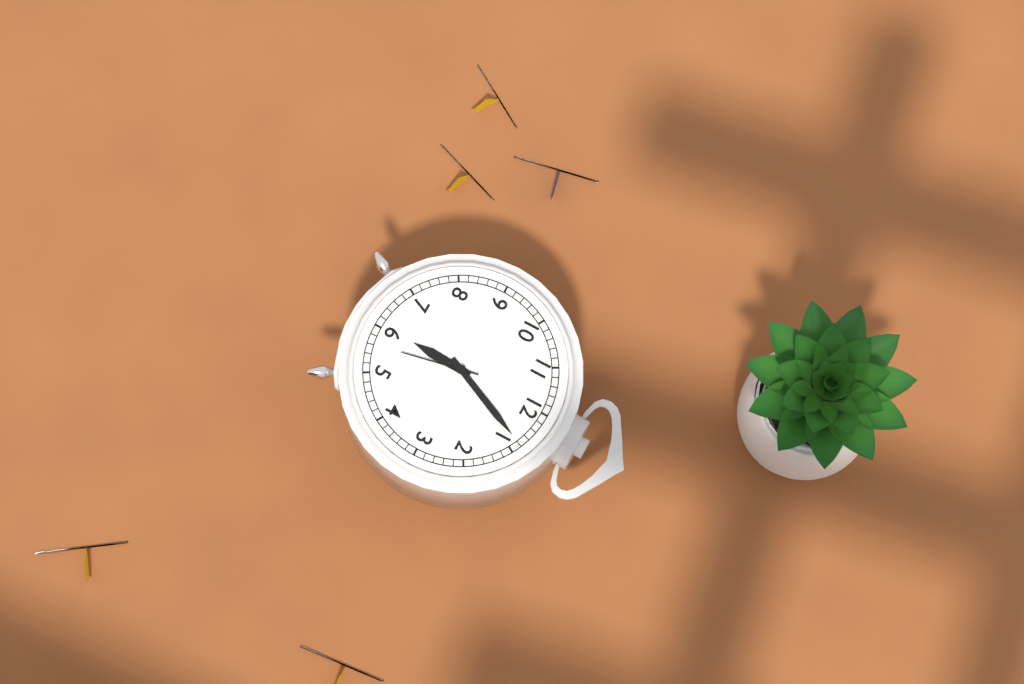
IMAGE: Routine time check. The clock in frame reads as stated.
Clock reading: 6:04:28
